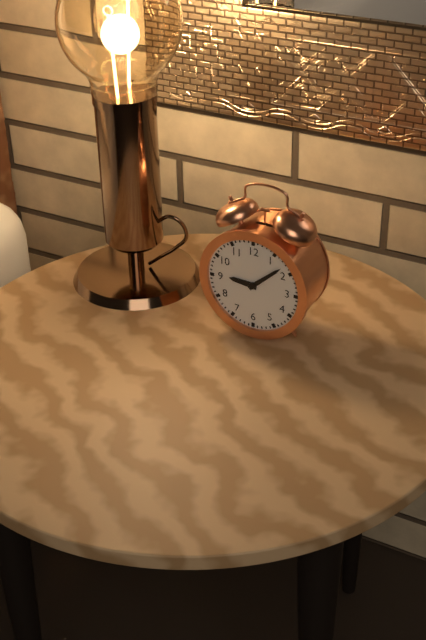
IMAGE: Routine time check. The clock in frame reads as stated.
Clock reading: 9:08
